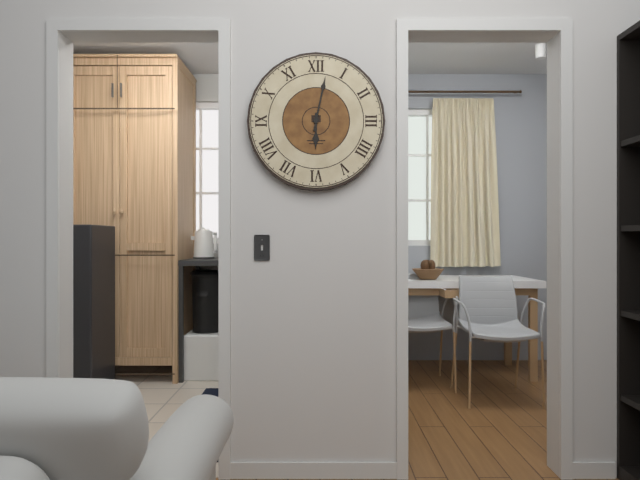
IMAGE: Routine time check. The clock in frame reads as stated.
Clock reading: 6:02
